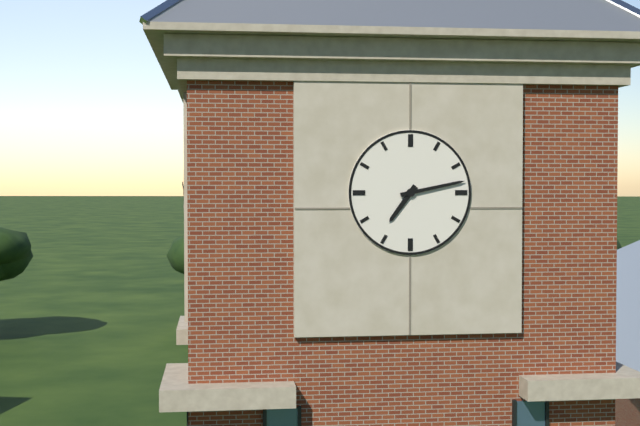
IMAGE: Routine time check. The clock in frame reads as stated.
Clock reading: 7:13
